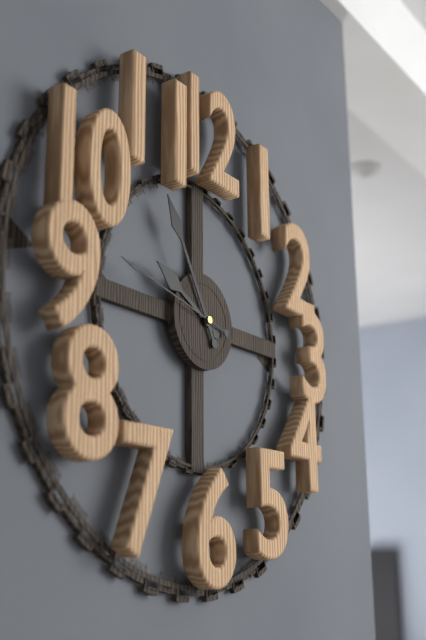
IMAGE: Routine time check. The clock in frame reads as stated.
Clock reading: 9:55:47
